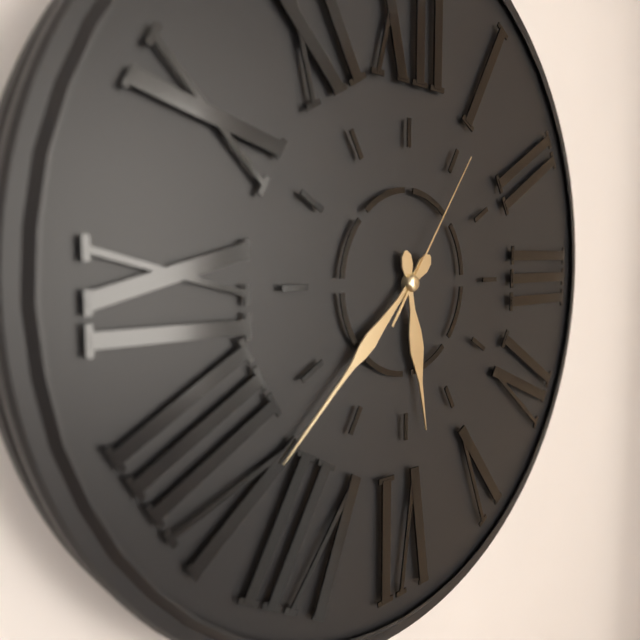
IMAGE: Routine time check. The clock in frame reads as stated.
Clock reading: 5:38:06
